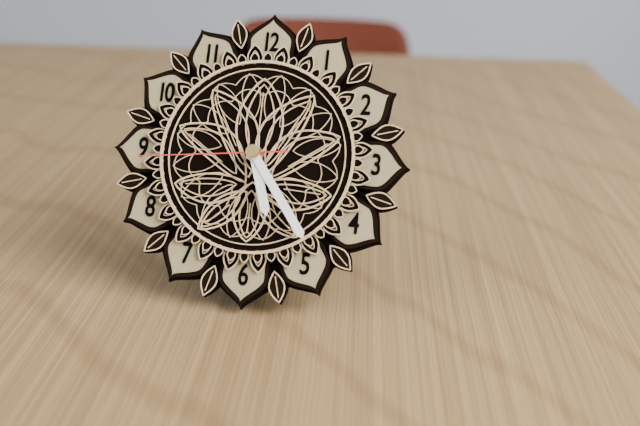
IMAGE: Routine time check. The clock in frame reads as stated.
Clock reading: 5:24:44
